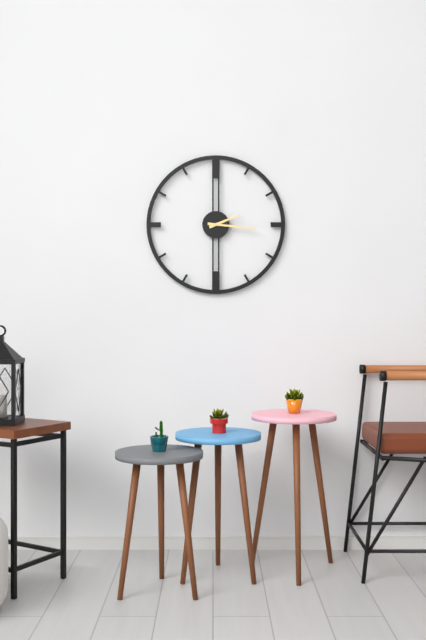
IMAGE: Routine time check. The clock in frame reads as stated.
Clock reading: 2:16
